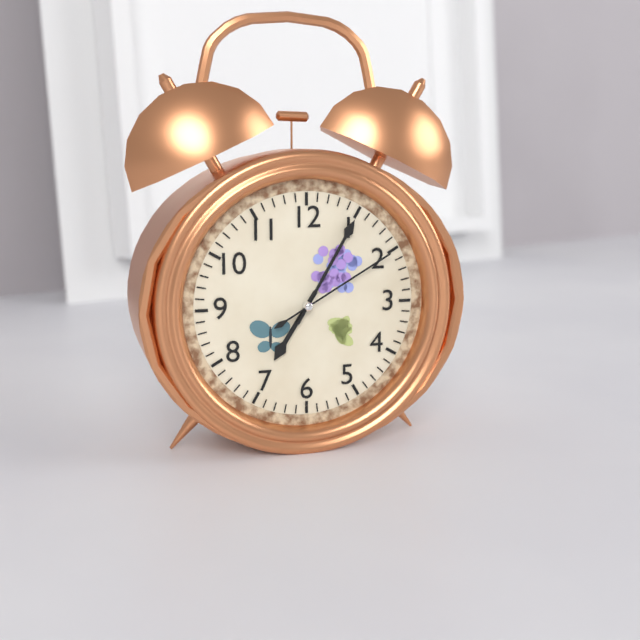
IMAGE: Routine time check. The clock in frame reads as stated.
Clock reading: 7:05:10
